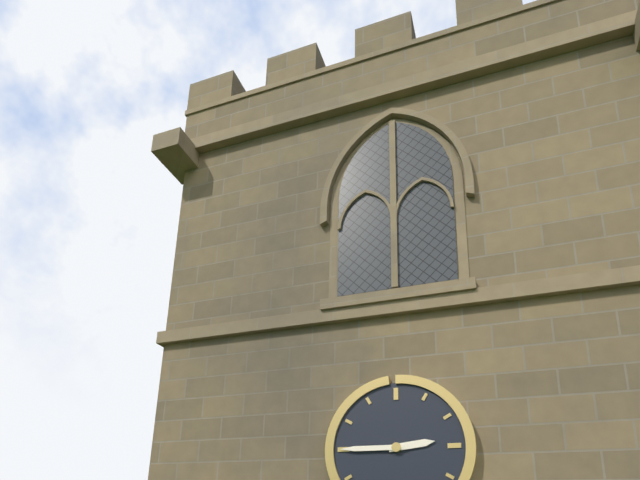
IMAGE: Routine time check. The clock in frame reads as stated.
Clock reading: 2:45
